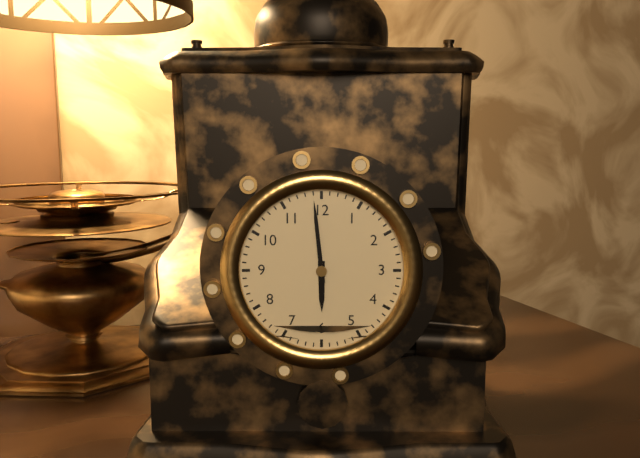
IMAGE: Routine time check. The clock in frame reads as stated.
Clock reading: 5:59
